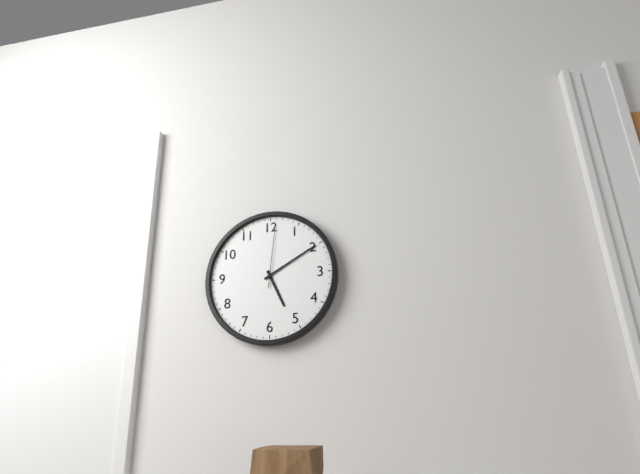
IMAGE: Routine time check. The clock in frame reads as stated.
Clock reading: 5:10:01
